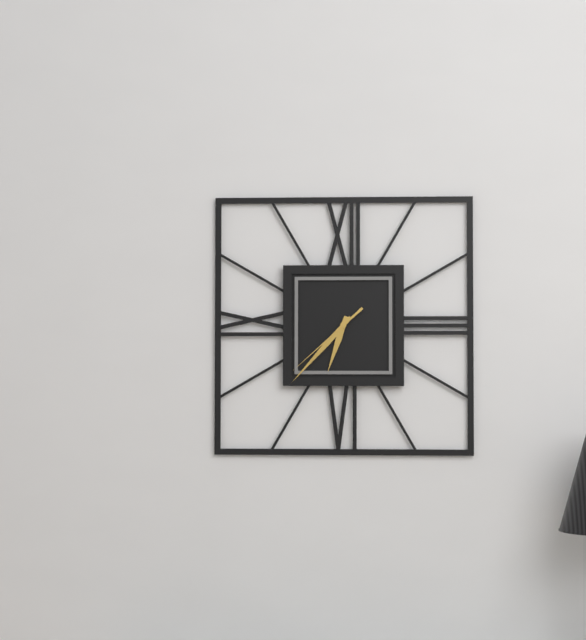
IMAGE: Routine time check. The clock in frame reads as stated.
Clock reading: 6:37:38
